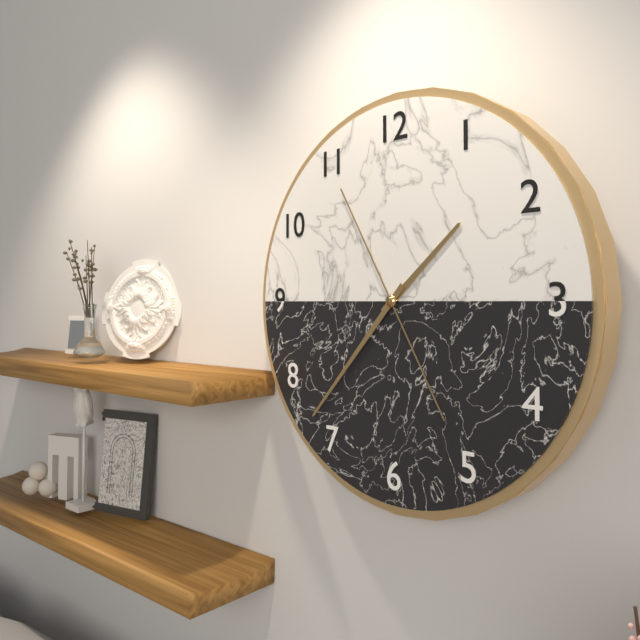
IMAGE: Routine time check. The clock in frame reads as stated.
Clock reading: 1:37:55
